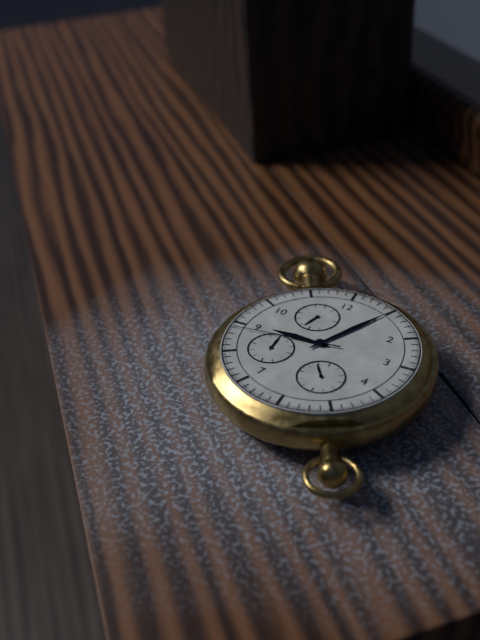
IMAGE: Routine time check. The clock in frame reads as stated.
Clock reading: 9:05:44
